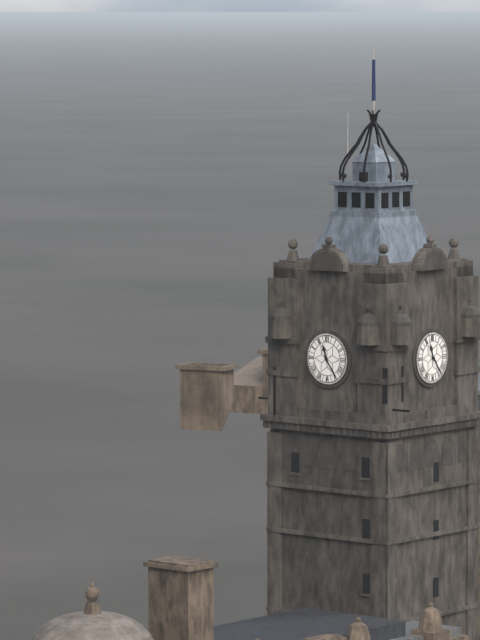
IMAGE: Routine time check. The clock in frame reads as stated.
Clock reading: 11:24
